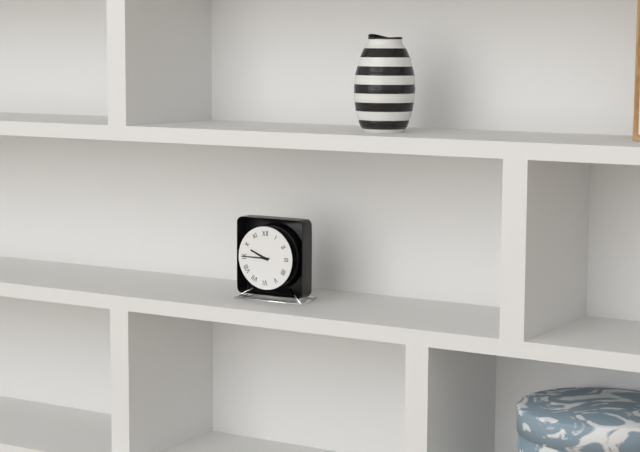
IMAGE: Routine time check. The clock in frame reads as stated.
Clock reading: 9:45
